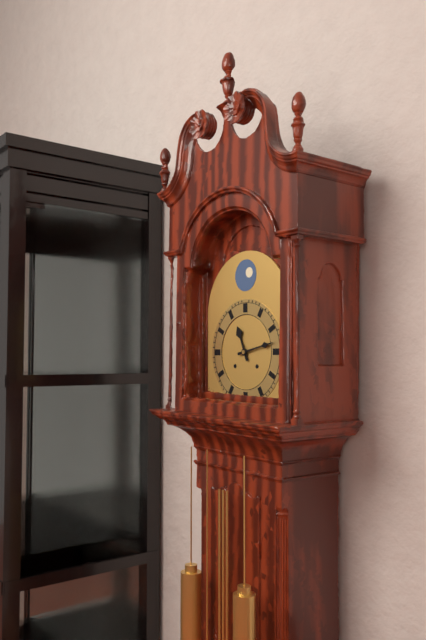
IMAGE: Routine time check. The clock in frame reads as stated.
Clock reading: 11:13
